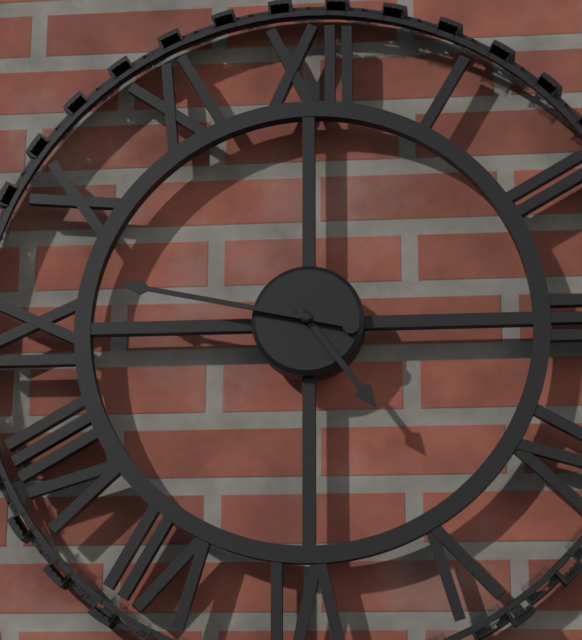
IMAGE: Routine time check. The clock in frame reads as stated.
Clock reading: 4:47
